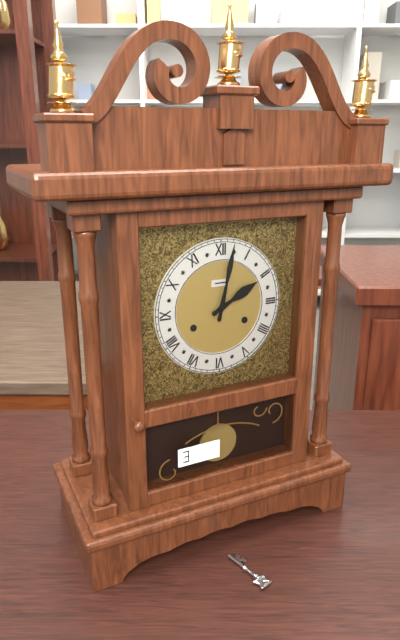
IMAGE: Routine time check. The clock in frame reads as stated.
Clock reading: 2:02
